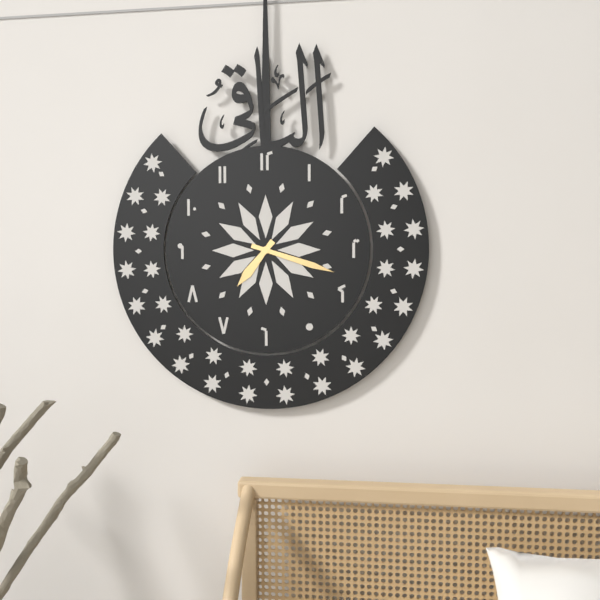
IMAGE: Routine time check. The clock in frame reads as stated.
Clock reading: 7:18
